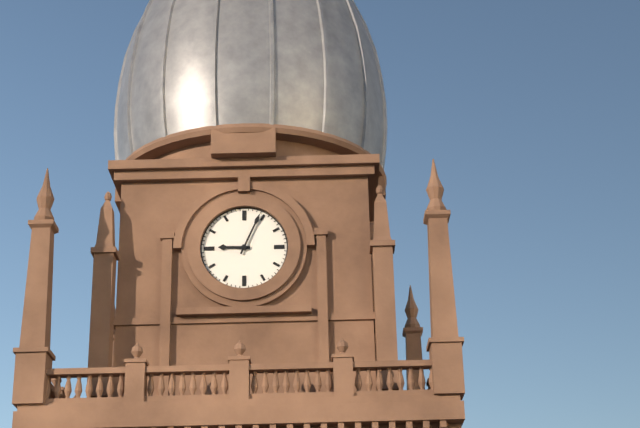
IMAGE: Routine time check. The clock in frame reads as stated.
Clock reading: 9:04
